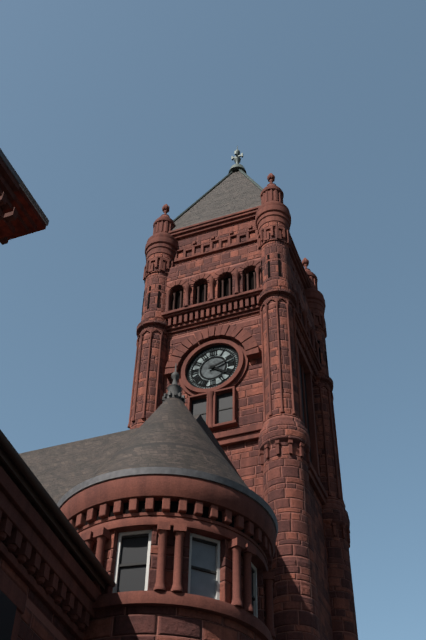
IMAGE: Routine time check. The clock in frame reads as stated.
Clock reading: 4:12
